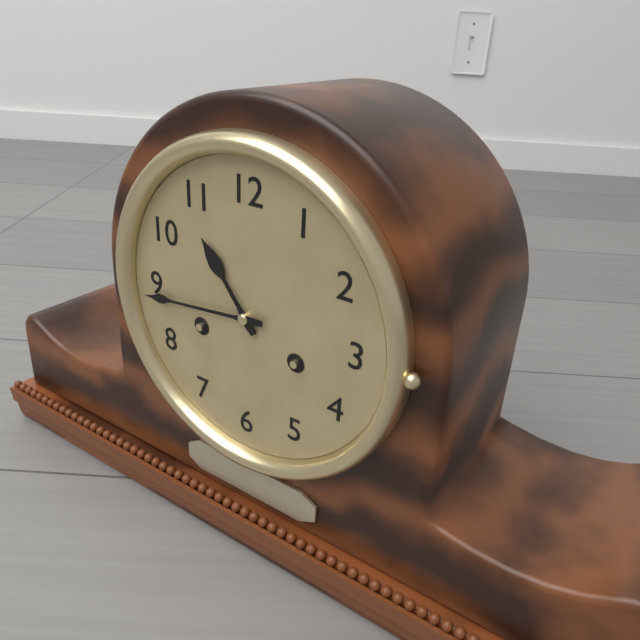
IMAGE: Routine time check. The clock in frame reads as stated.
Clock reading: 10:44
